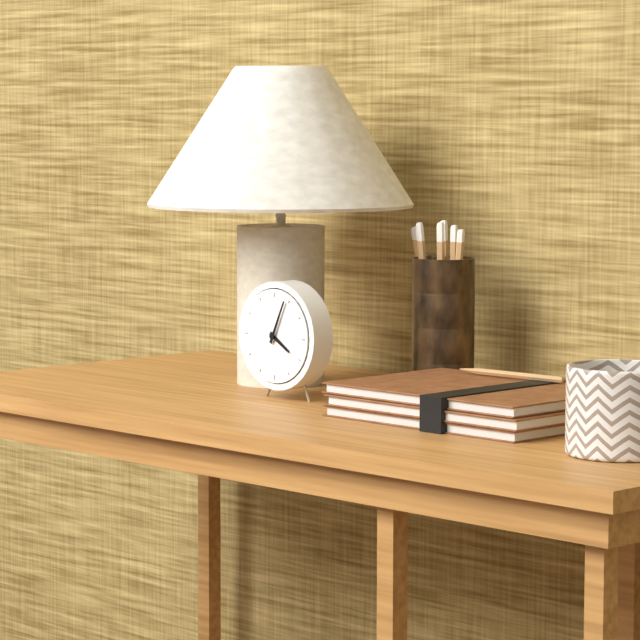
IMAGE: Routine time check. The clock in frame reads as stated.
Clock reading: 4:04
